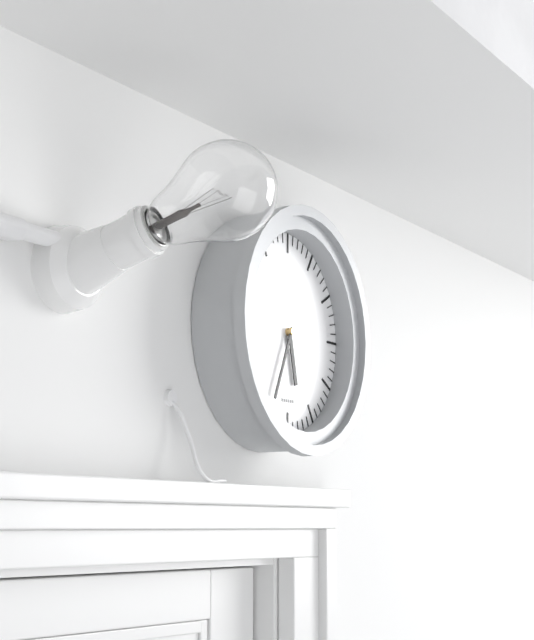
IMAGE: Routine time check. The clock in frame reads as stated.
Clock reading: 5:34
